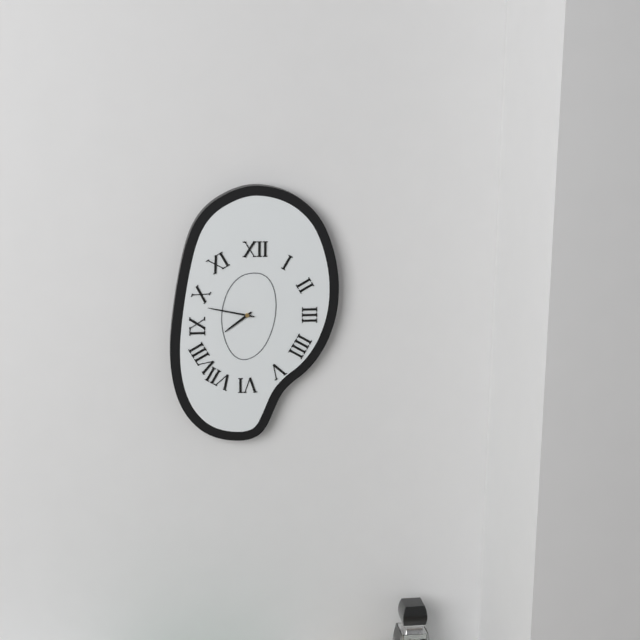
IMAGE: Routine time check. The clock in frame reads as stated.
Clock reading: 7:47
